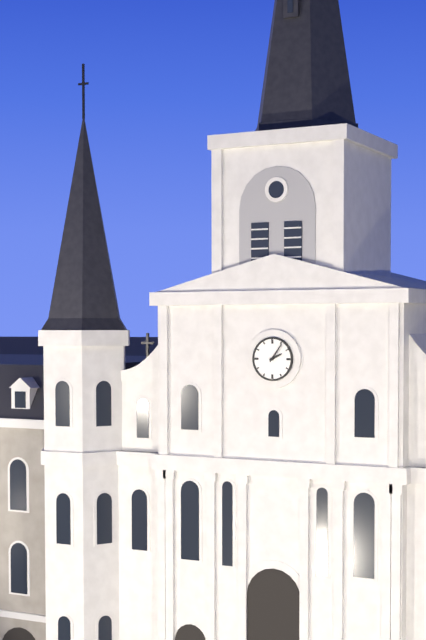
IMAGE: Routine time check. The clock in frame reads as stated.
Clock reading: 2:06
